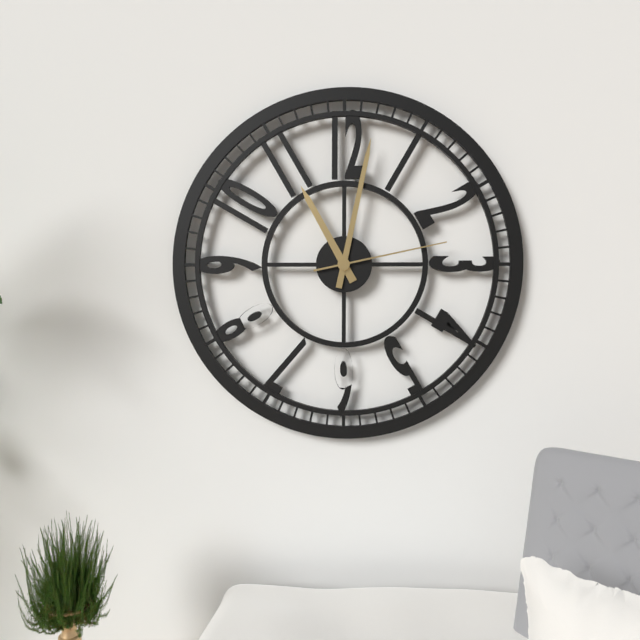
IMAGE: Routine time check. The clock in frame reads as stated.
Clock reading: 11:02:13
